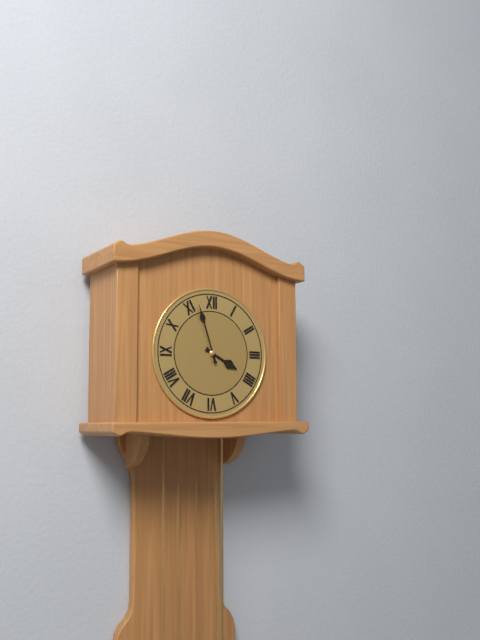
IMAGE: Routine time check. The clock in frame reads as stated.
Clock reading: 3:57
